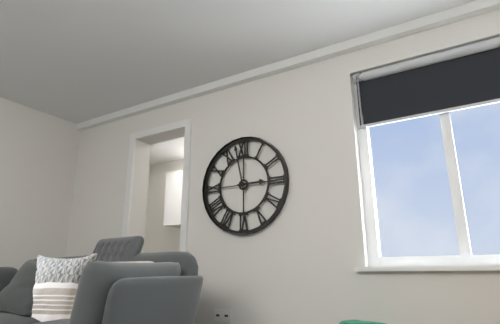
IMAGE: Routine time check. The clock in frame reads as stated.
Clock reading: 2:58
